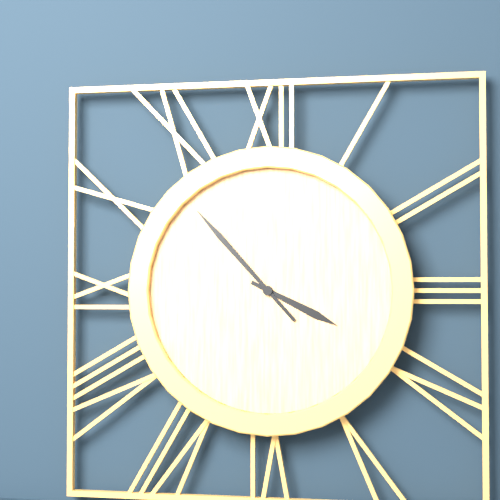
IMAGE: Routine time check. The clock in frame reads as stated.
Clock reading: 3:53
